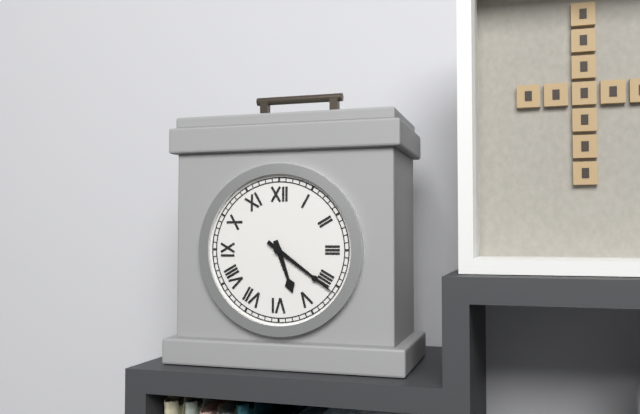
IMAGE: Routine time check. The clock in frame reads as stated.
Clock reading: 5:21
